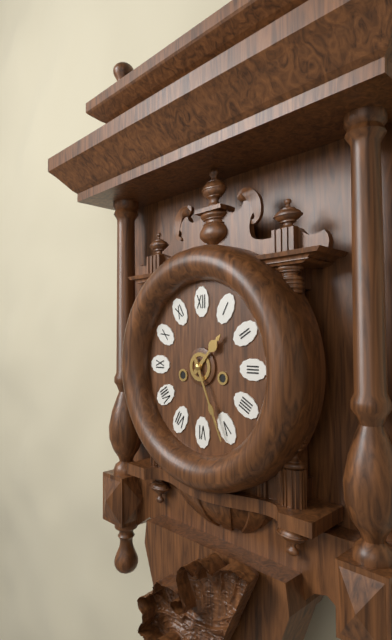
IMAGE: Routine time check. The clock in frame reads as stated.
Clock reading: 1:26
